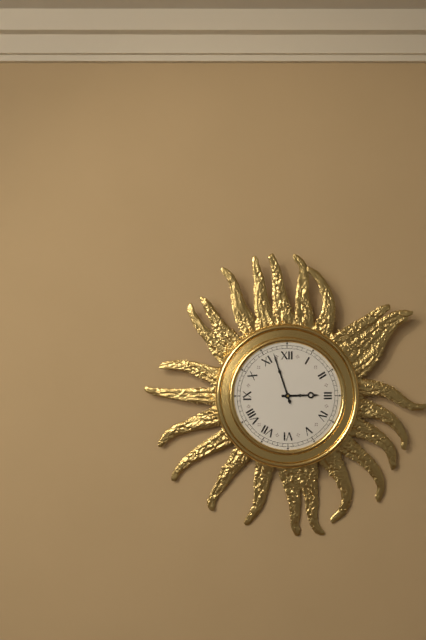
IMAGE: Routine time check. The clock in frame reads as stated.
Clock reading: 2:57
